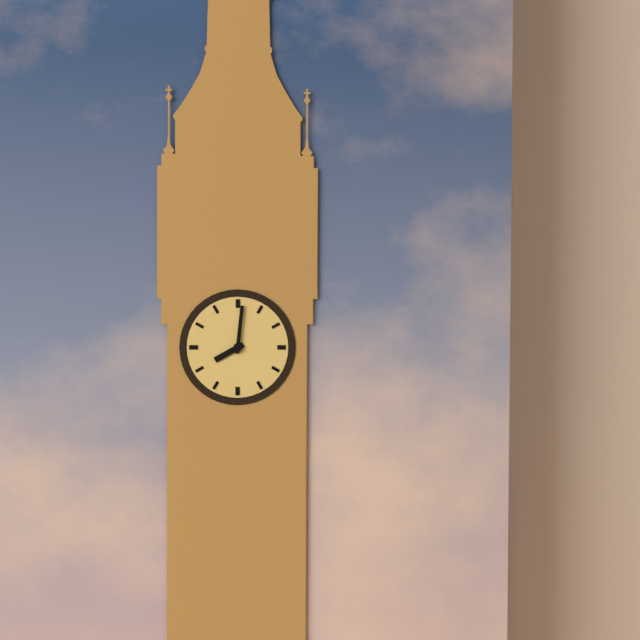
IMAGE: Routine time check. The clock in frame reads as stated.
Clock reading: 8:01
